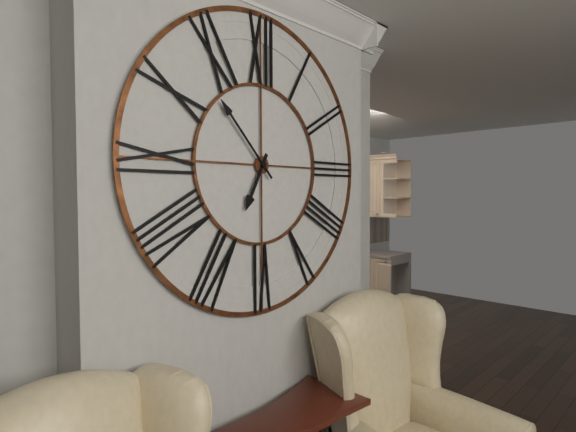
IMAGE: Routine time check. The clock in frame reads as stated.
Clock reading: 6:53
